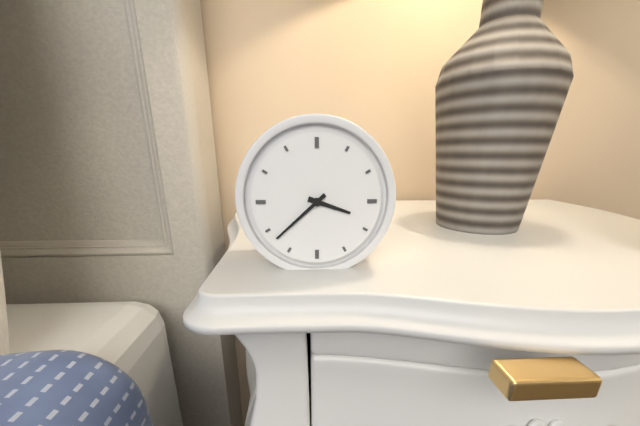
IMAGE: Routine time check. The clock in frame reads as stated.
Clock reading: 3:38
